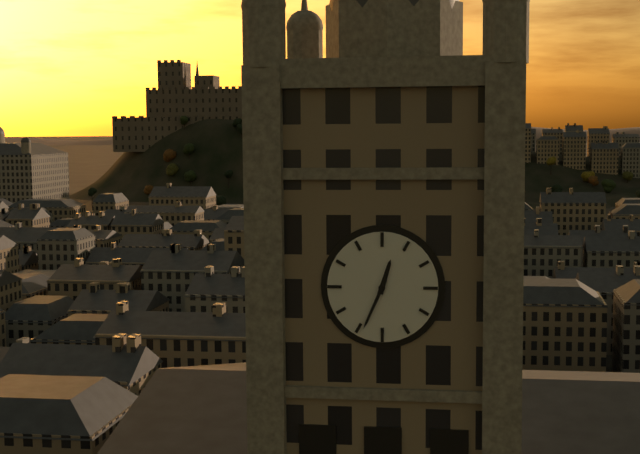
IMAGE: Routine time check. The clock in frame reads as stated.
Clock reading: 12:34
